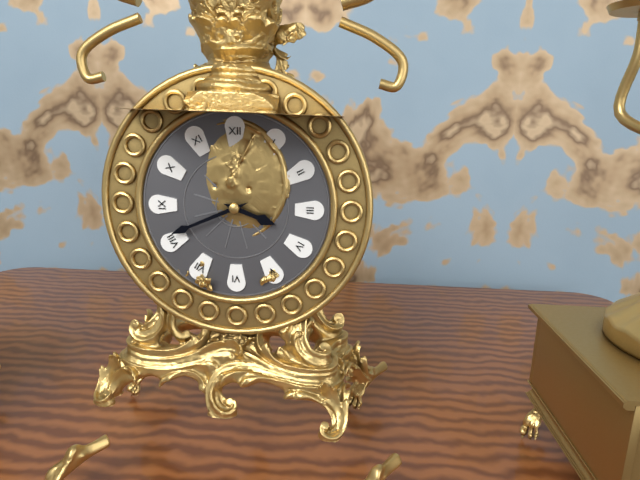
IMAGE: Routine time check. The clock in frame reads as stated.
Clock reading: 3:41
